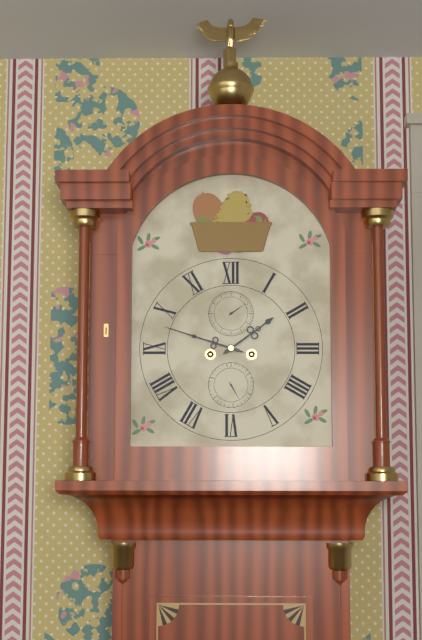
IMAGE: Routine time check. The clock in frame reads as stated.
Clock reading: 1:48
